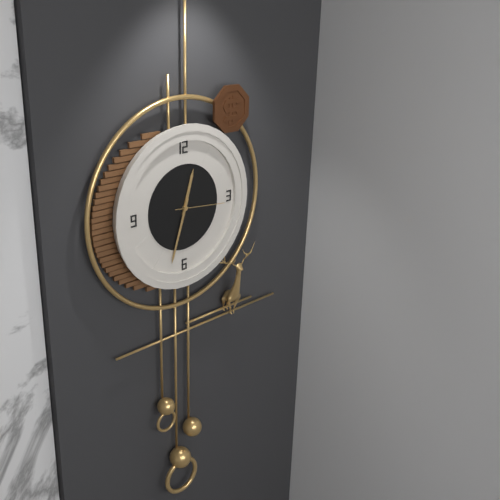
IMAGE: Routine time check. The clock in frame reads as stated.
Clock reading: 12:33:16
